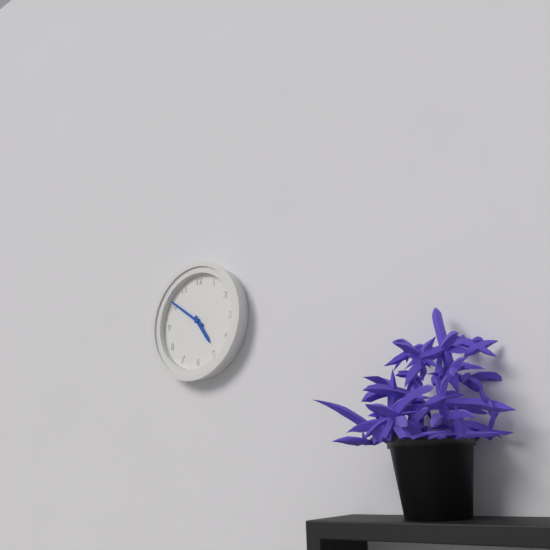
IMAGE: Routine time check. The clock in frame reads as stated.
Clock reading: 4:51
